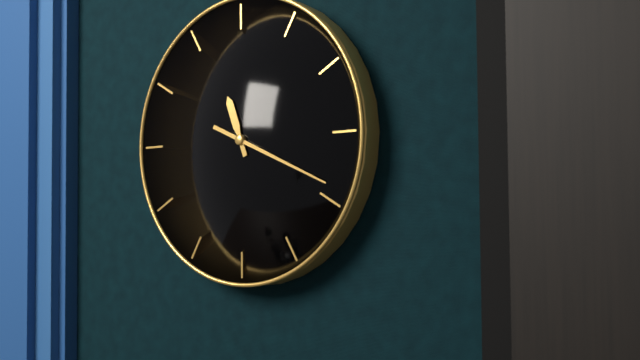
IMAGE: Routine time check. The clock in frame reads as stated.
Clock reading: 11:19
